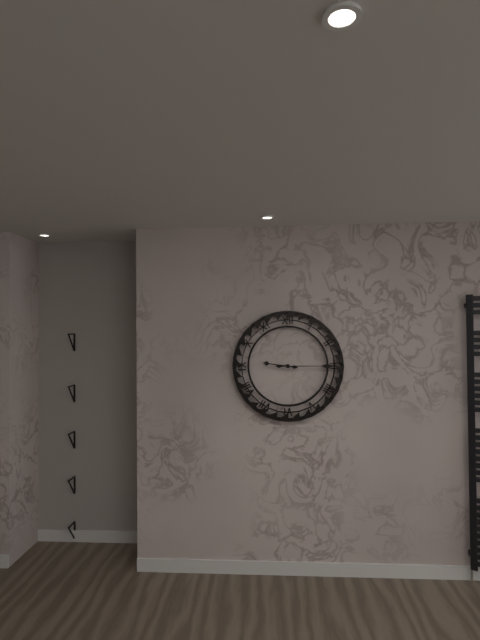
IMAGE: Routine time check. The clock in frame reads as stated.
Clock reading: 9:15
